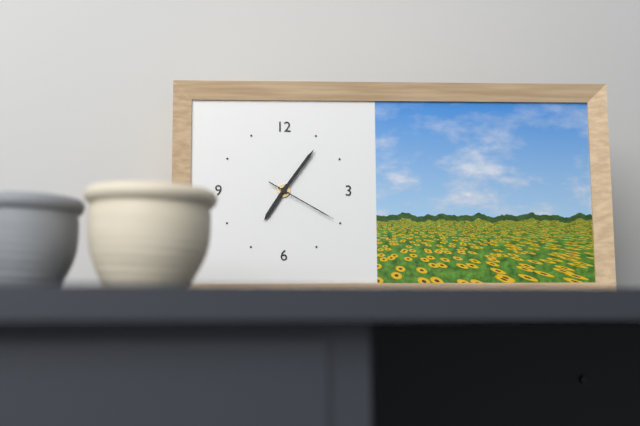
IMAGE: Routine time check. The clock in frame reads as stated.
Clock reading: 7:06:20
